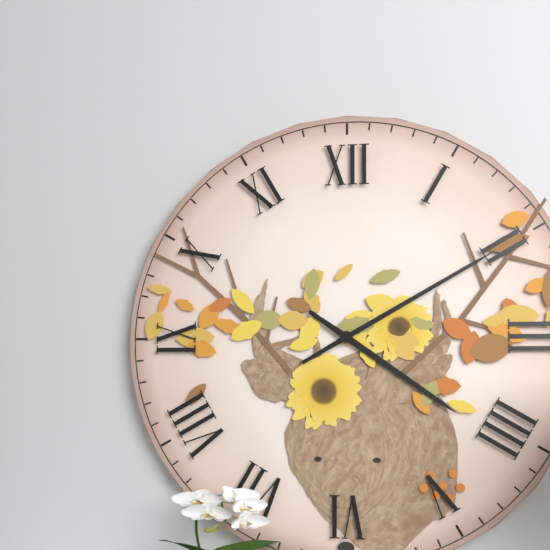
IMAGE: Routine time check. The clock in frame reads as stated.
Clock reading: 4:10
